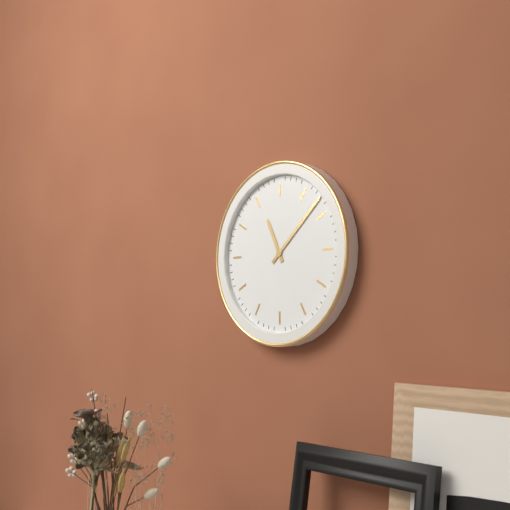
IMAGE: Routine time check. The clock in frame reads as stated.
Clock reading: 11:08
